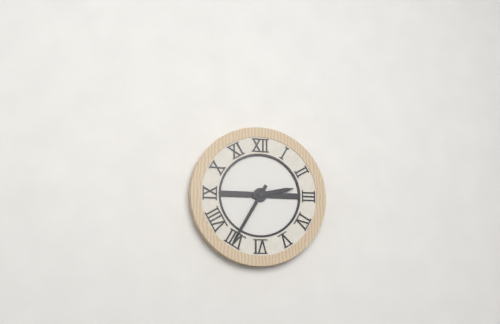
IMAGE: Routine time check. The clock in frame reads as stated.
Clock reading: 2:35
